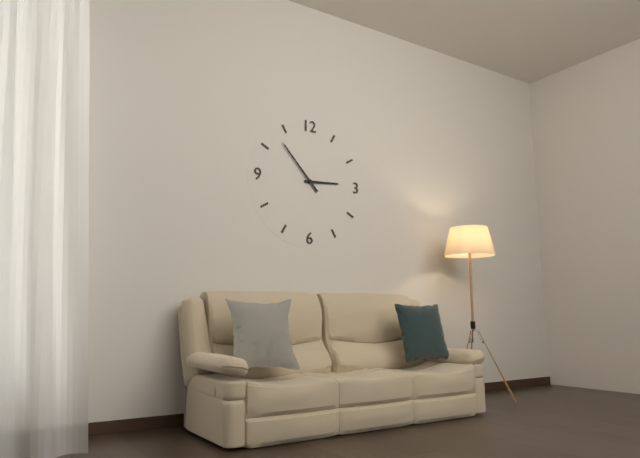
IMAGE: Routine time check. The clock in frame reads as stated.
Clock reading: 2:53
